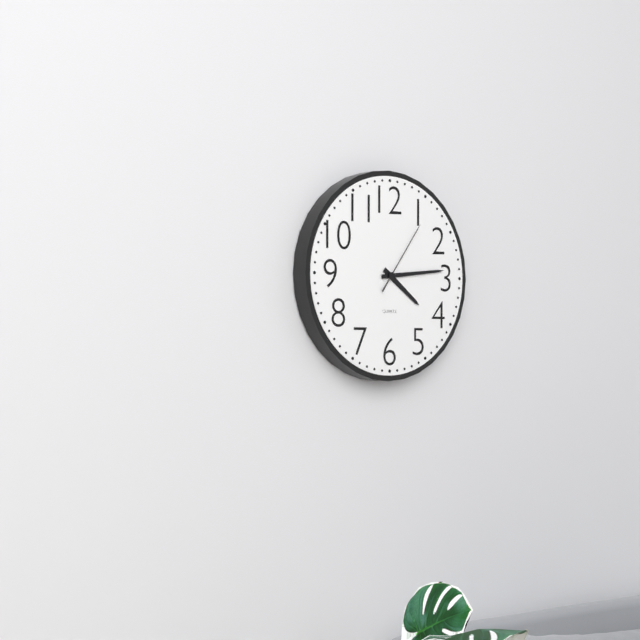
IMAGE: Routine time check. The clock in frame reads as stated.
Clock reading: 4:14:06
